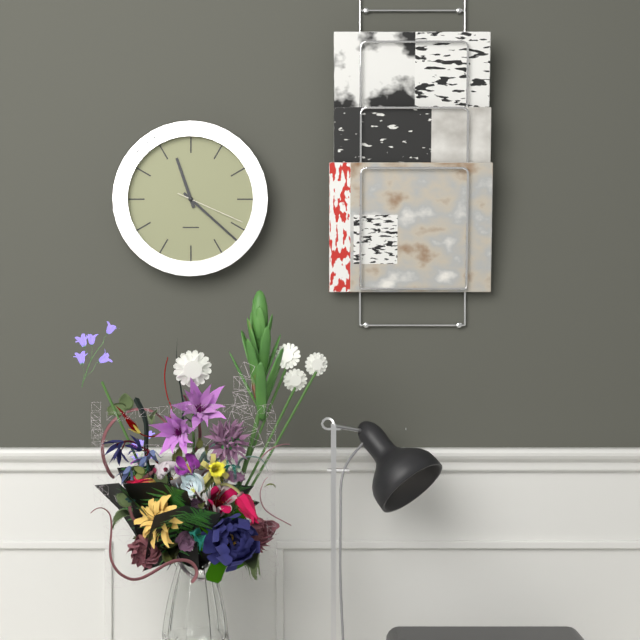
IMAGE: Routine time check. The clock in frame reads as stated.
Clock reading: 11:22:19
